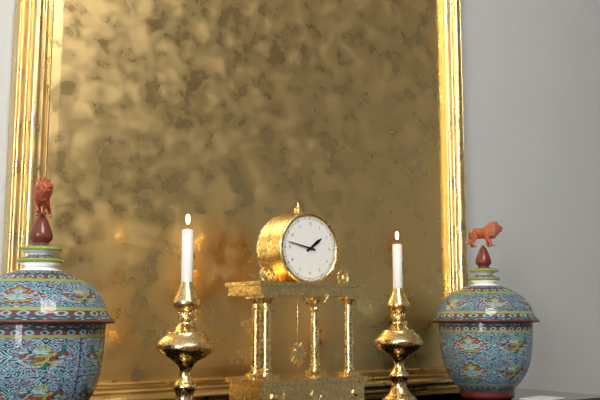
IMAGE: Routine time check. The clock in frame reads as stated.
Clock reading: 1:47
